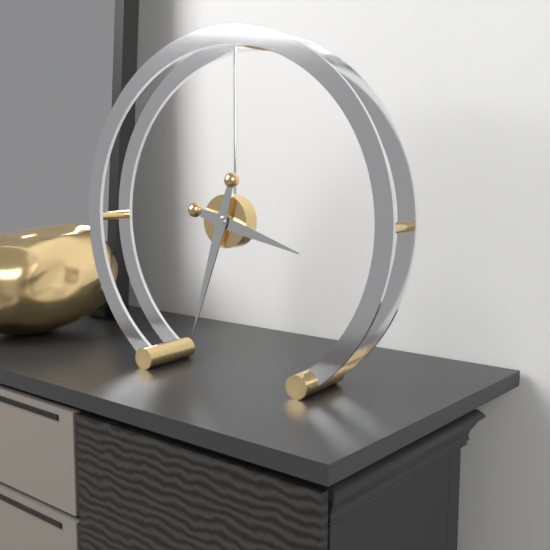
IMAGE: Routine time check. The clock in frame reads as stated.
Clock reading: 3:33
